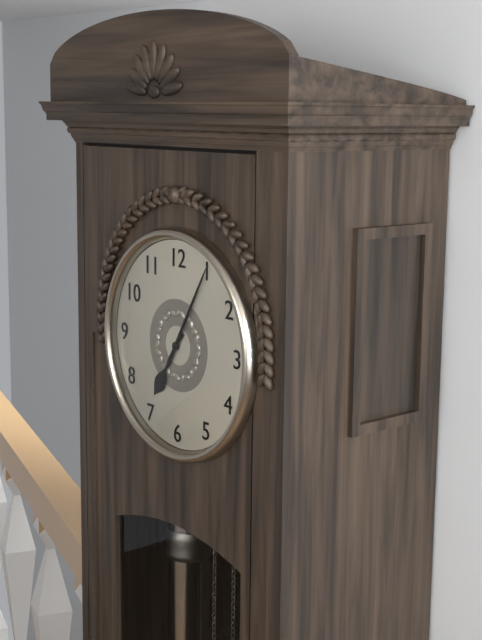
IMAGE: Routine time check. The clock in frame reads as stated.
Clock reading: 7:05
